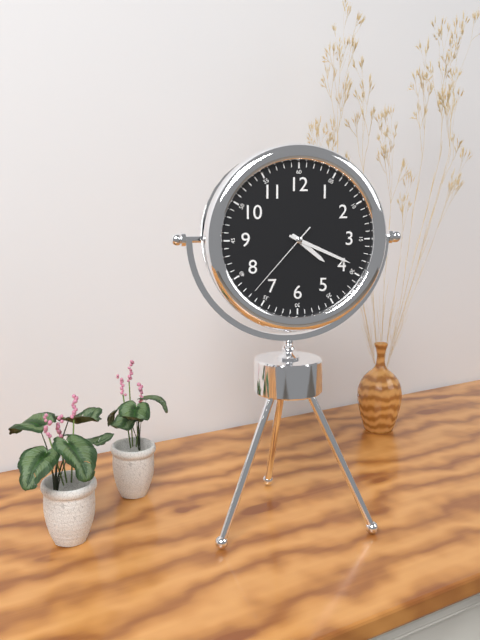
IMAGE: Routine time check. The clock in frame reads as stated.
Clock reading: 4:19:37
